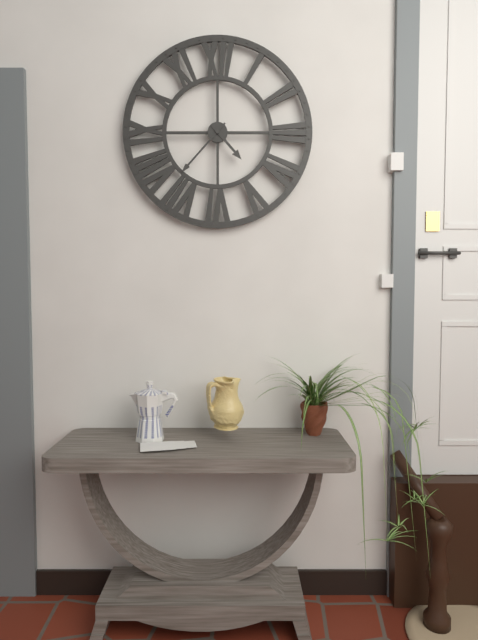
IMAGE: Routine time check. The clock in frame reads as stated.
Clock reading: 4:37
